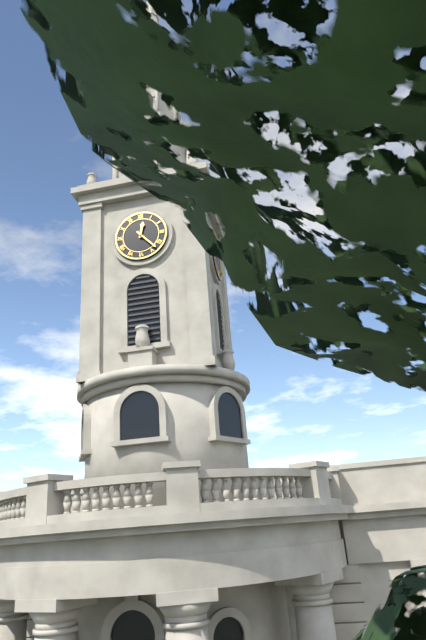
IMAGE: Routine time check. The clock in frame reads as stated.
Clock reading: 12:23
